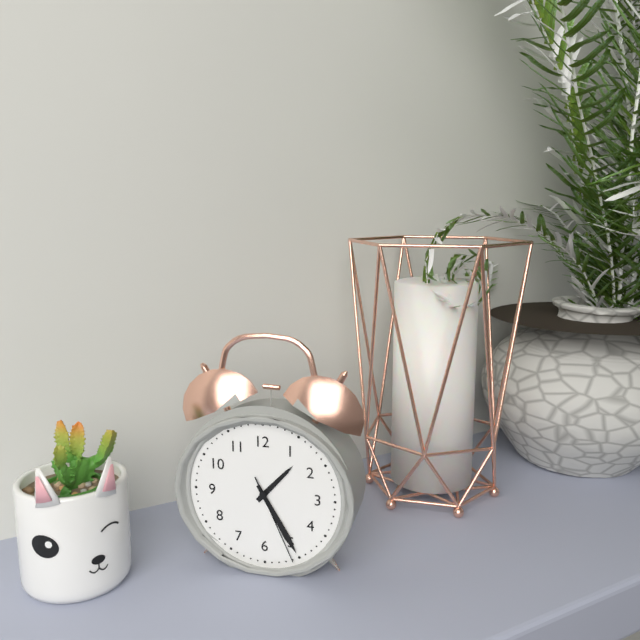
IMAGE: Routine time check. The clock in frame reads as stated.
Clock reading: 1:25:26
